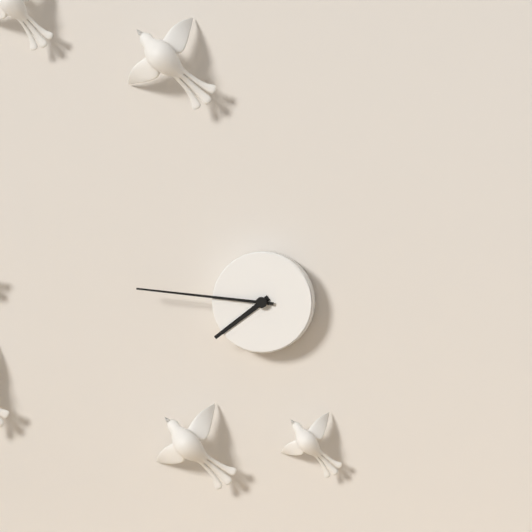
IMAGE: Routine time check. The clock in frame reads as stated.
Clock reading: 7:46
